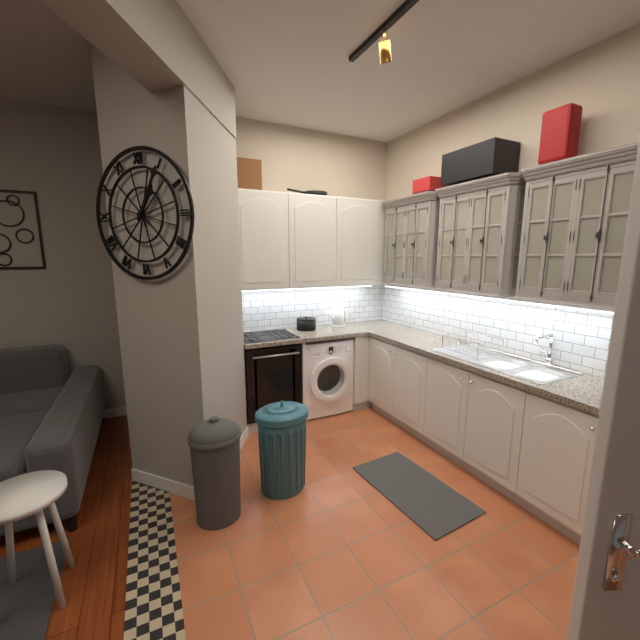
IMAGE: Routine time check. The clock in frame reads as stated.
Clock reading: 1:05
